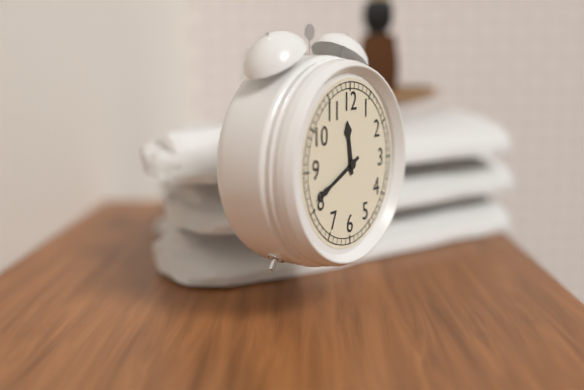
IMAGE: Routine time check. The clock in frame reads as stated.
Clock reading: 11:41
